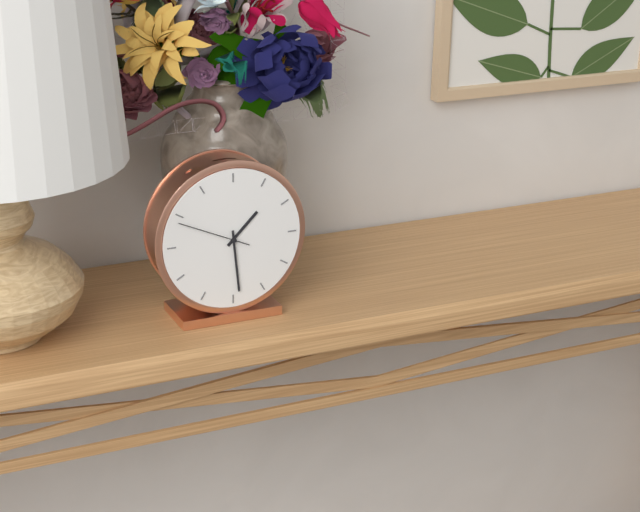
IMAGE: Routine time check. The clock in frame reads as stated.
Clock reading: 1:29:49
